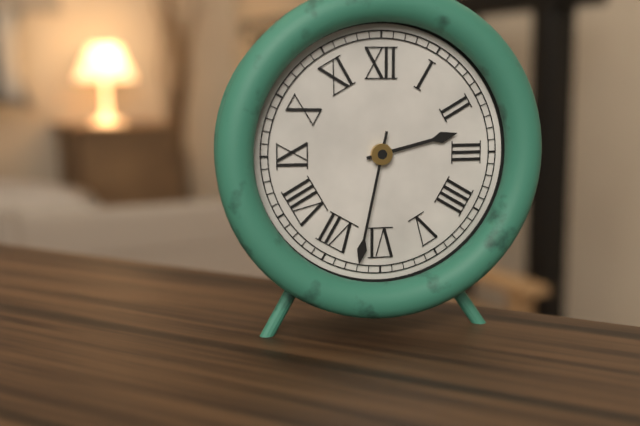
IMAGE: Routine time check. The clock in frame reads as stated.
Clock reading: 2:32
